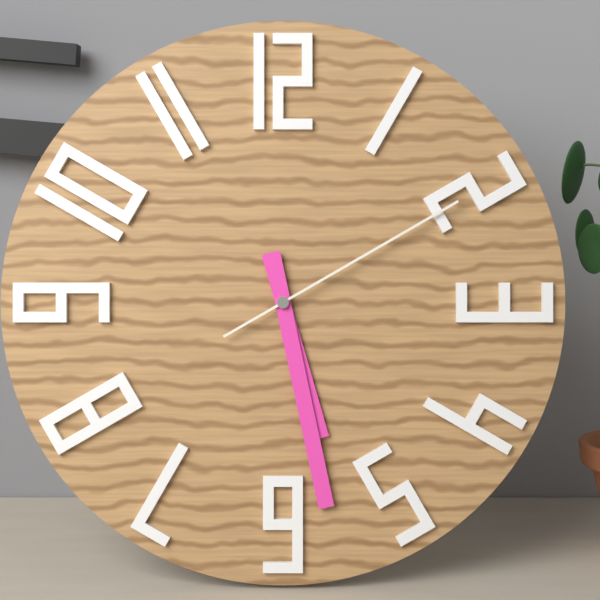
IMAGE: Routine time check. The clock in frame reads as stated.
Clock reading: 5:28:10
